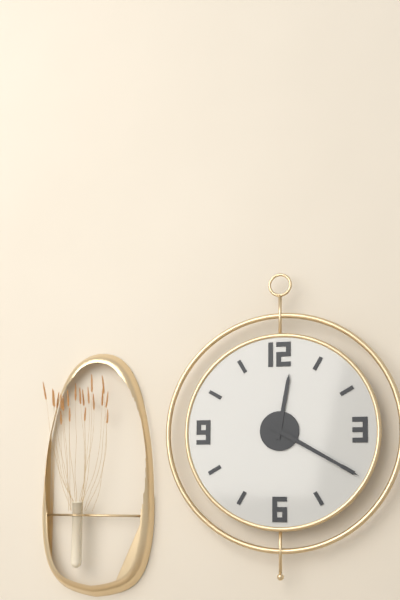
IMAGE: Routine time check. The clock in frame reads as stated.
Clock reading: 12:20
